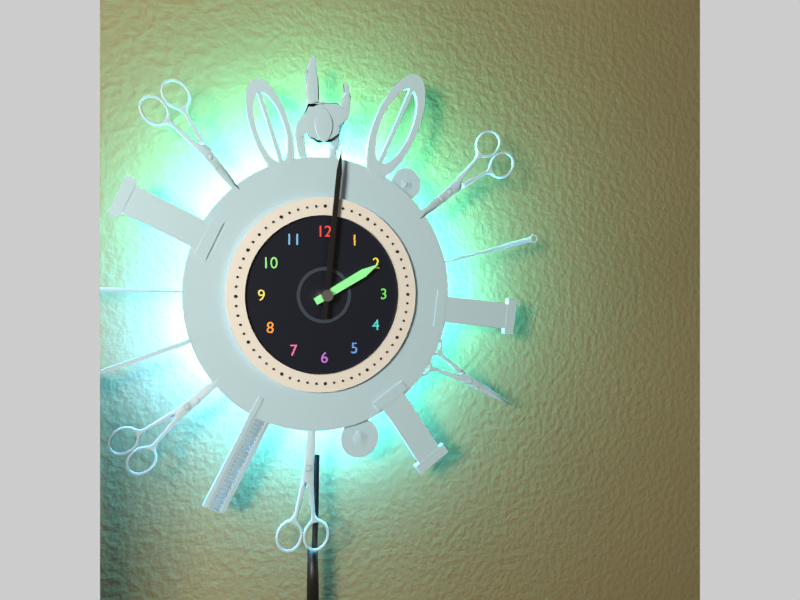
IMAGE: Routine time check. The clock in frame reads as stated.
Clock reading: 2:01
